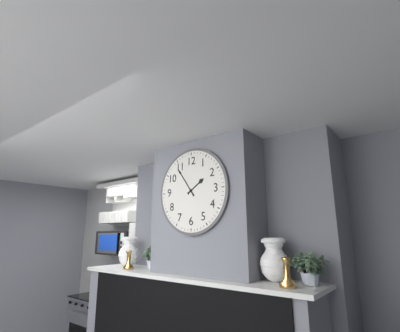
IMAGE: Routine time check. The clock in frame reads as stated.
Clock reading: 1:54
